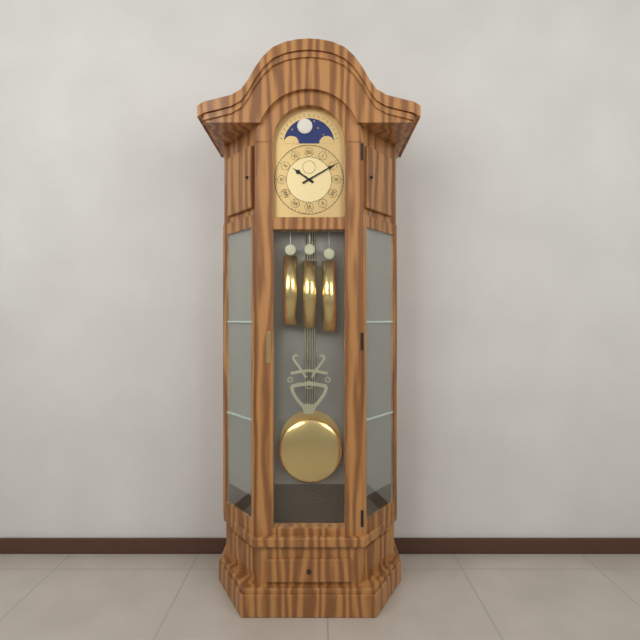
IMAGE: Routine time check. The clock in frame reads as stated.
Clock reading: 10:10
